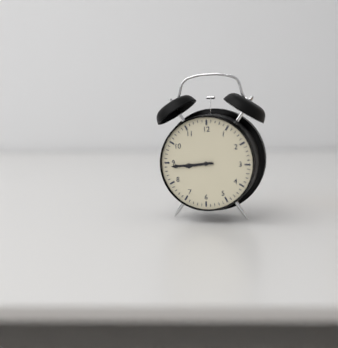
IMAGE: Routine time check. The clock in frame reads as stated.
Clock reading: 8:44
